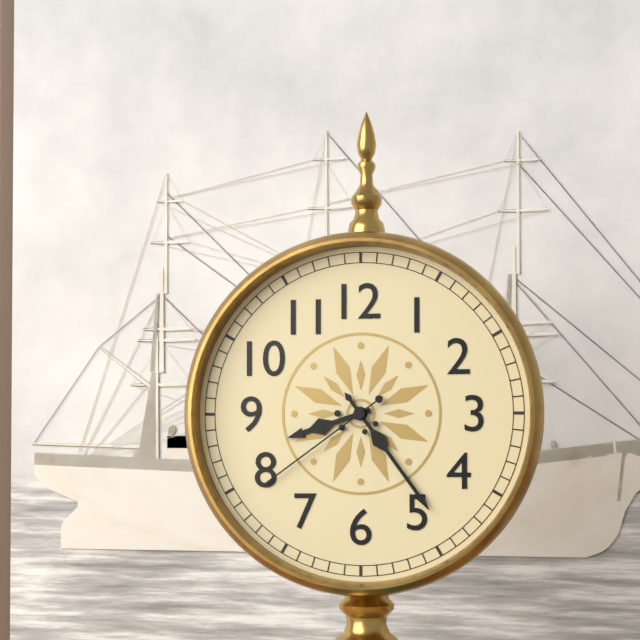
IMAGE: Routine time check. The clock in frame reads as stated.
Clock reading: 8:24:39
